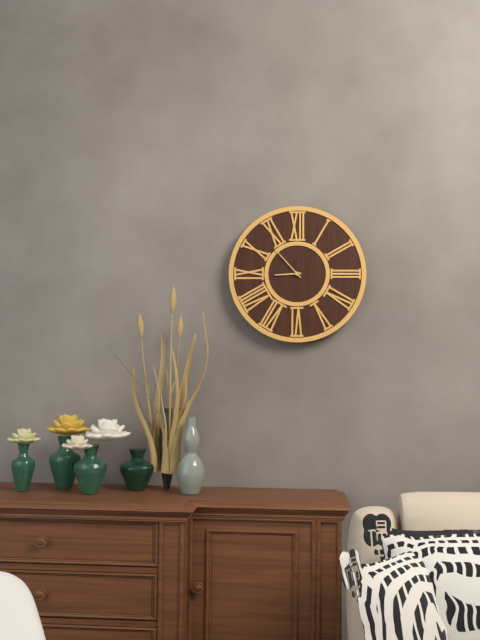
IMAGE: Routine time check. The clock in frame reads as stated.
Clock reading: 8:53
